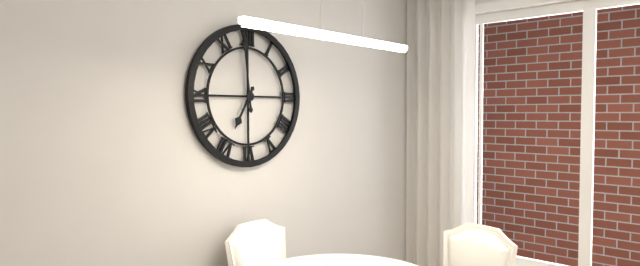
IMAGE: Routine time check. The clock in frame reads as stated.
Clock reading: 6:59
